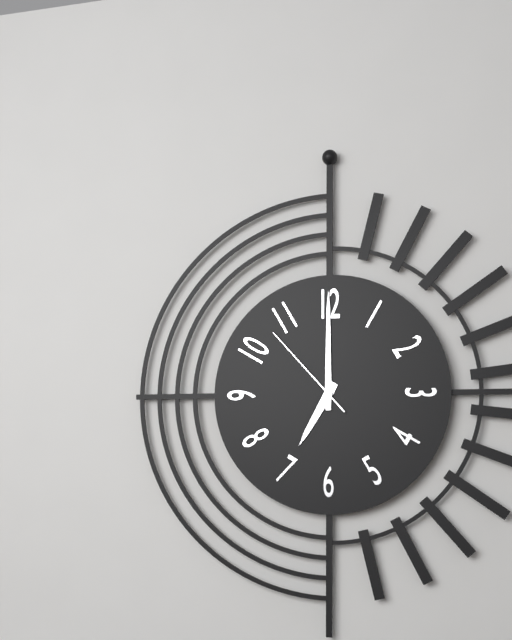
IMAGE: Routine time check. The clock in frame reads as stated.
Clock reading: 7:00:53
